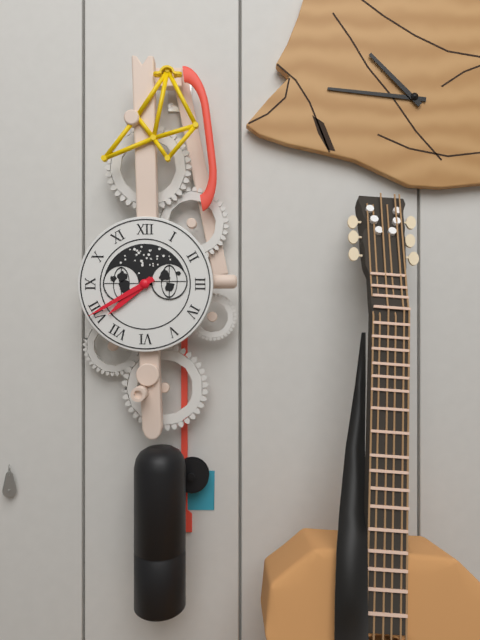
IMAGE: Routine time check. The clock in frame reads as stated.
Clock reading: 7:40
